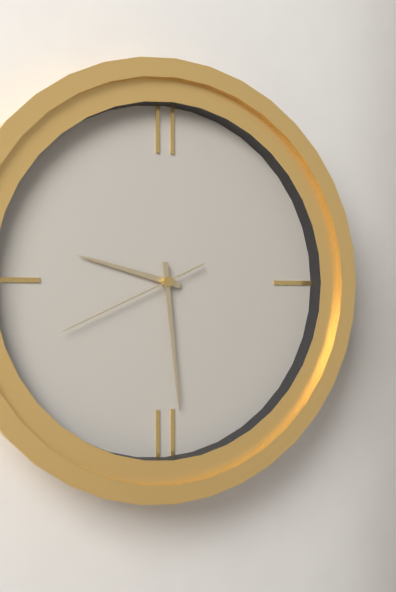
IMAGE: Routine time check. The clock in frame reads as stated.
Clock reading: 9:29:41
